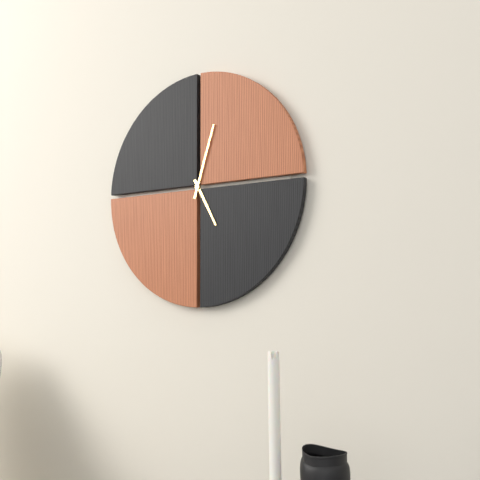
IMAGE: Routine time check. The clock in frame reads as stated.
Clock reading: 5:03
